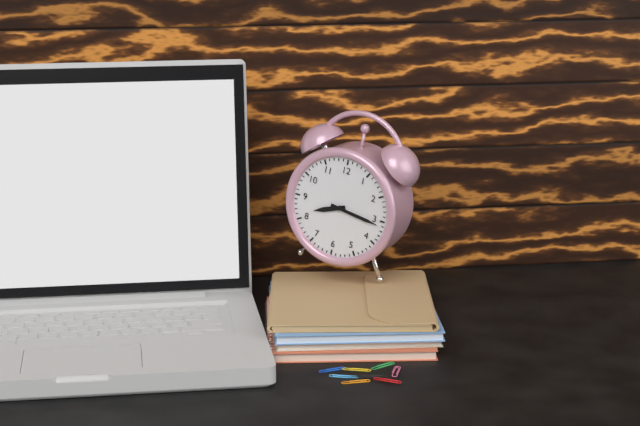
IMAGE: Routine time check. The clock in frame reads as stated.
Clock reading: 8:16
